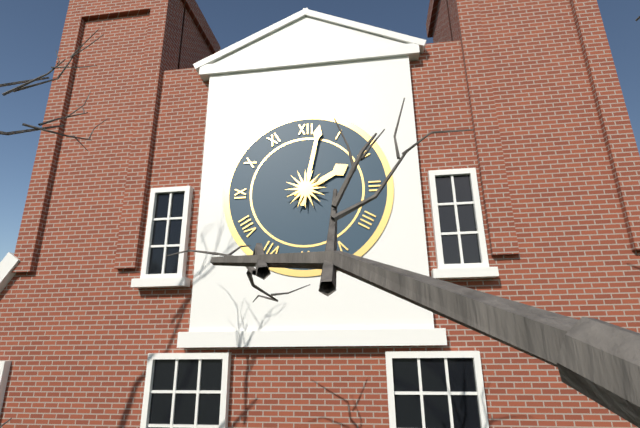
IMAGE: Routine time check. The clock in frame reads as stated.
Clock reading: 2:02
